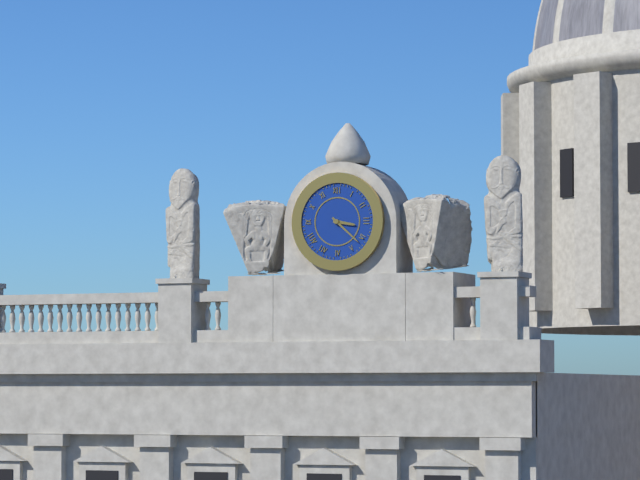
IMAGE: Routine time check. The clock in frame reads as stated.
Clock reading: 3:22
